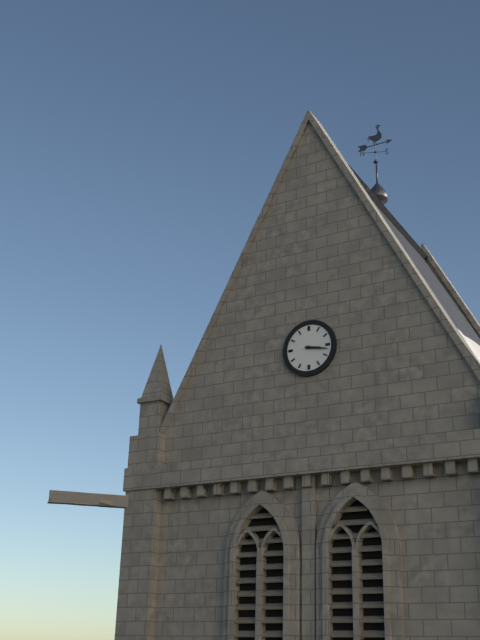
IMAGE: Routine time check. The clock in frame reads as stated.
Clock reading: 3:17
